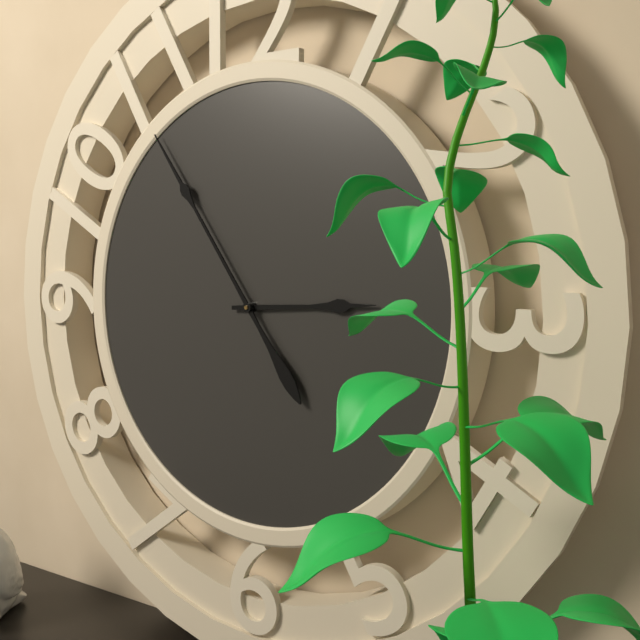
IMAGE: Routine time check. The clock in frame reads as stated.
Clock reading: 2:54
